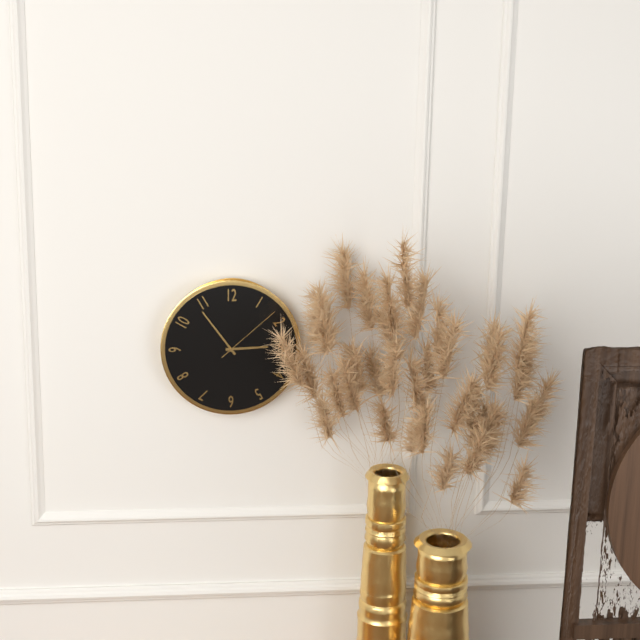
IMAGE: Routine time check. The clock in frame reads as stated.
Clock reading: 2:54:08
